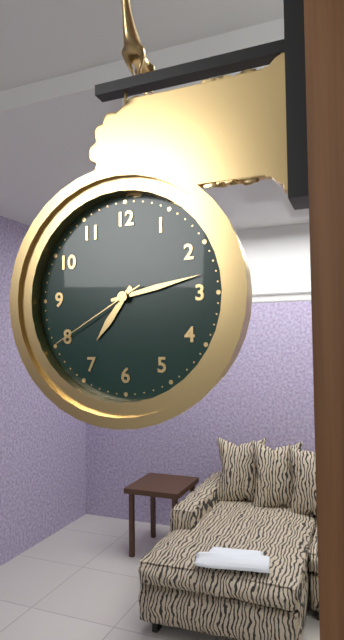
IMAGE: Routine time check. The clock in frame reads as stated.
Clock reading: 7:13:40
